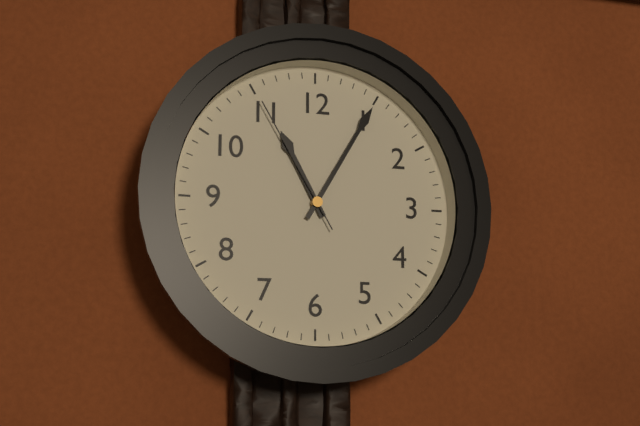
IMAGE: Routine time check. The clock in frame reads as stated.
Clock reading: 11:05:55
